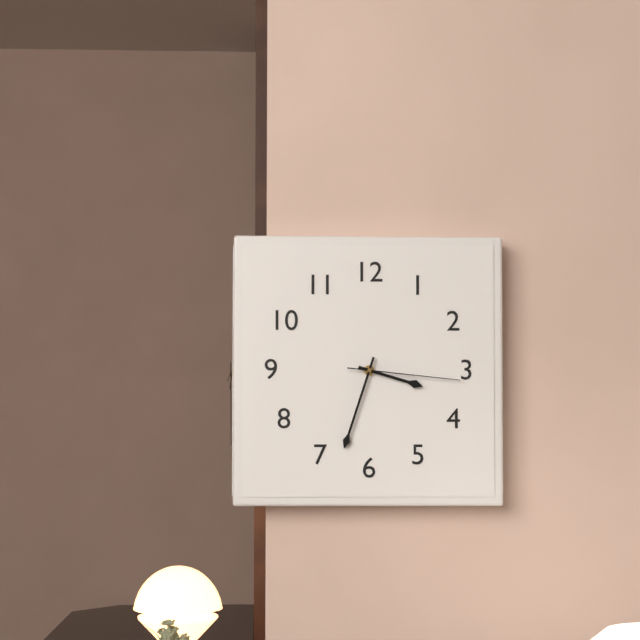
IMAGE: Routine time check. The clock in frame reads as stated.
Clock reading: 3:33:16
